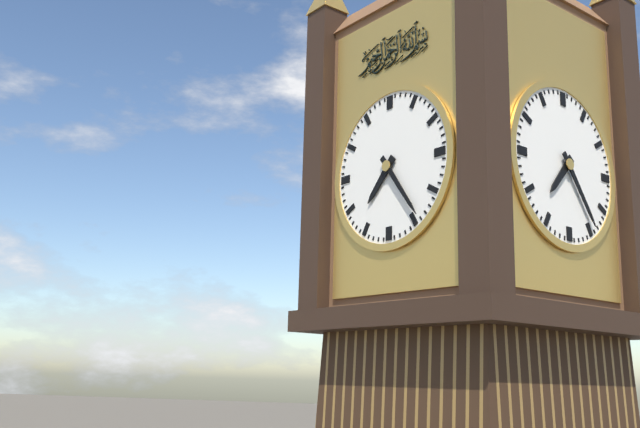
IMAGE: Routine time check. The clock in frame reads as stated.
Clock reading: 7:24
